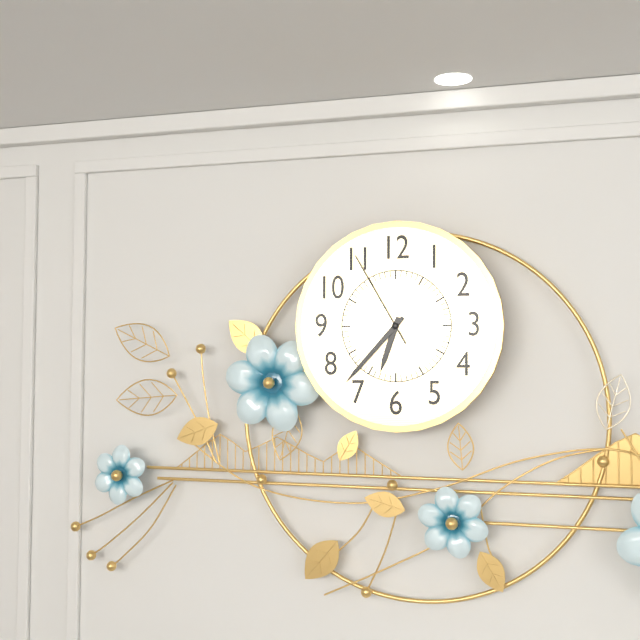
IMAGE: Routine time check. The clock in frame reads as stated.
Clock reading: 6:37:55
